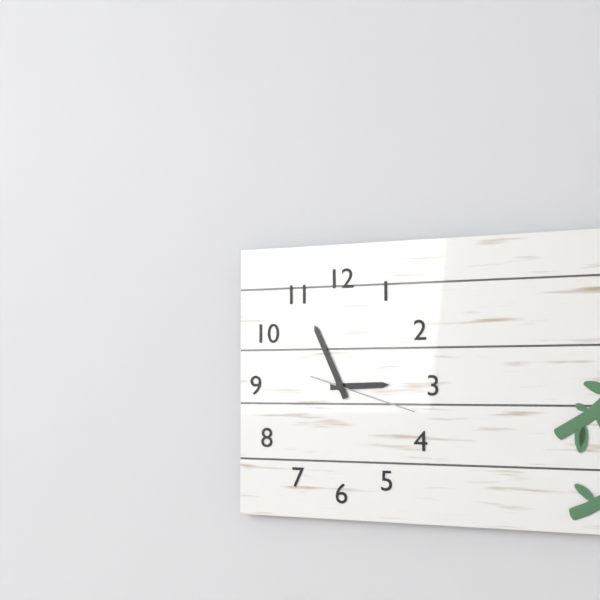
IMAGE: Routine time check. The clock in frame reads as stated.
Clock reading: 2:56:18
